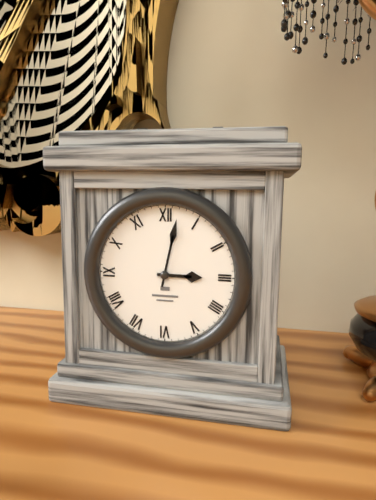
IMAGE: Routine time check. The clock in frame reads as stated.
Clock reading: 3:02
